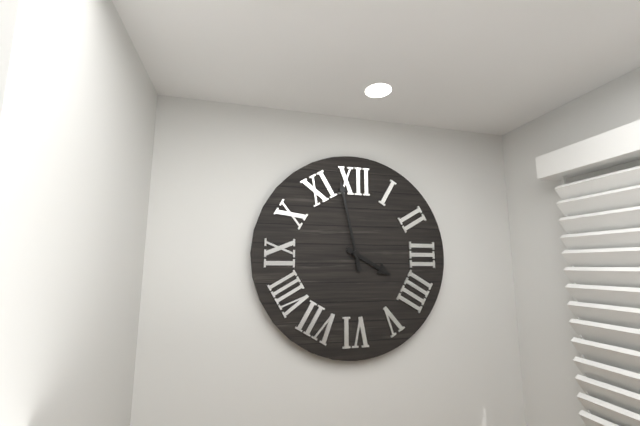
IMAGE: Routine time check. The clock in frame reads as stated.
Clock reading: 3:58
